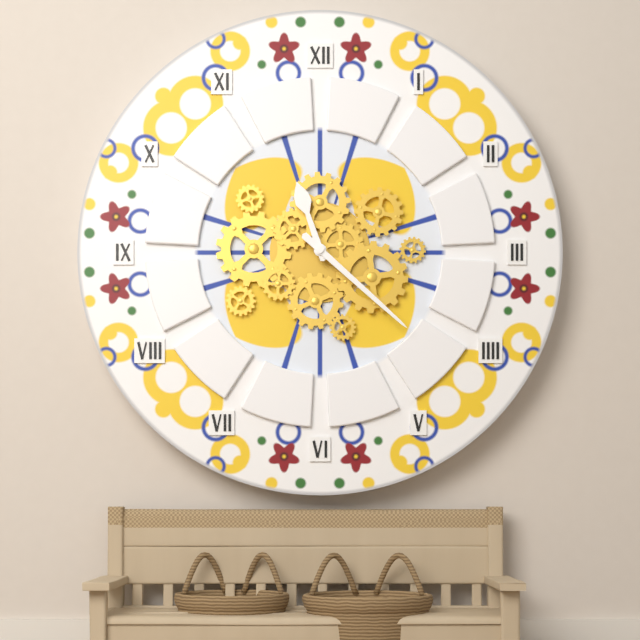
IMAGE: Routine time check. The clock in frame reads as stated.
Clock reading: 11:22
